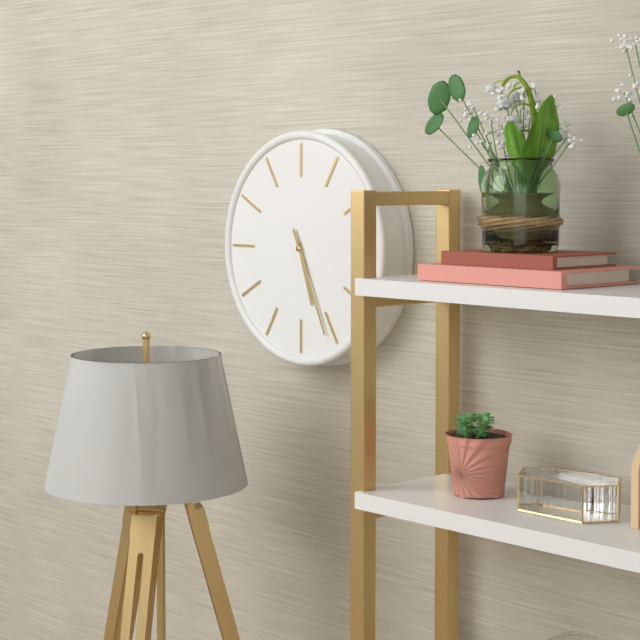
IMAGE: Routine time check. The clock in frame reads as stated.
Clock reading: 5:26
